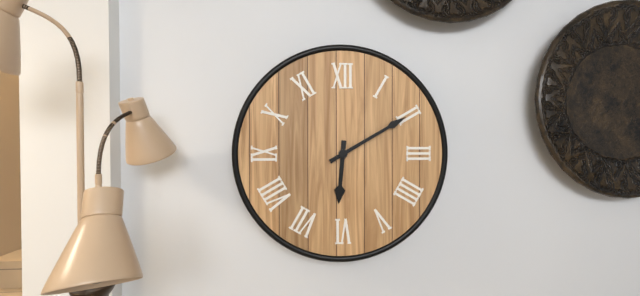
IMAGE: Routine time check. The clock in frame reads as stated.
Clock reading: 6:10
